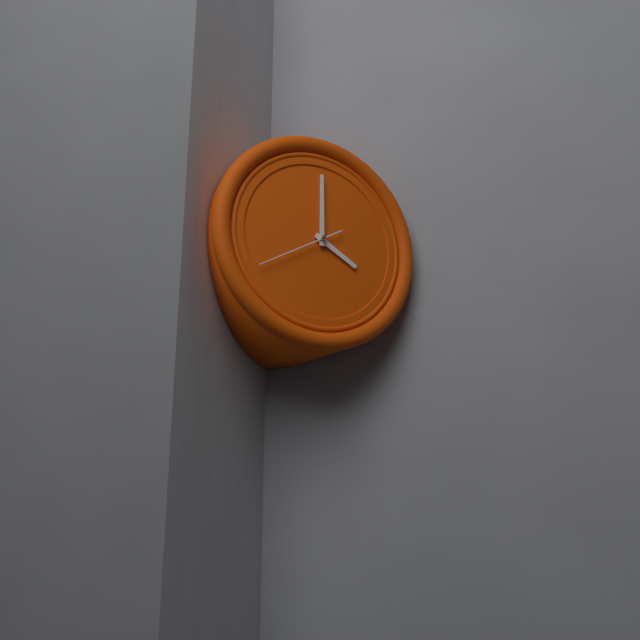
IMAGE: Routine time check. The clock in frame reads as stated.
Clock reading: 4:00:40
